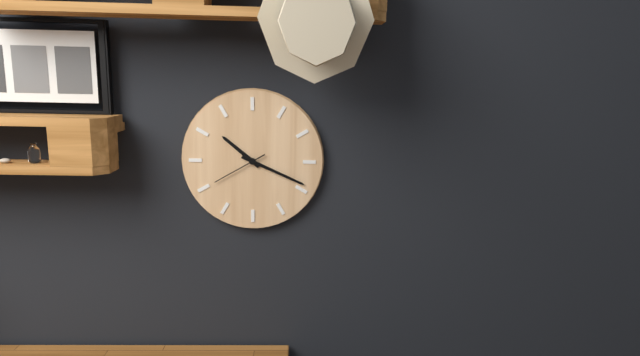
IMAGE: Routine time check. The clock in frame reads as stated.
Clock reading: 10:19:40
